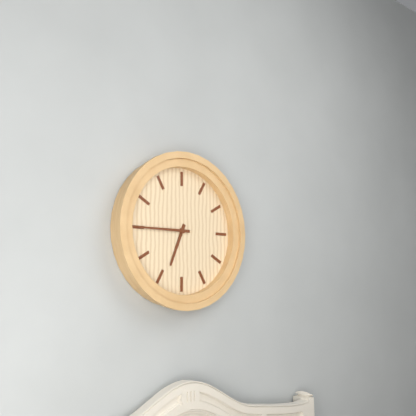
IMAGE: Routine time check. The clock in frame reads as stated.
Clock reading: 6:45
